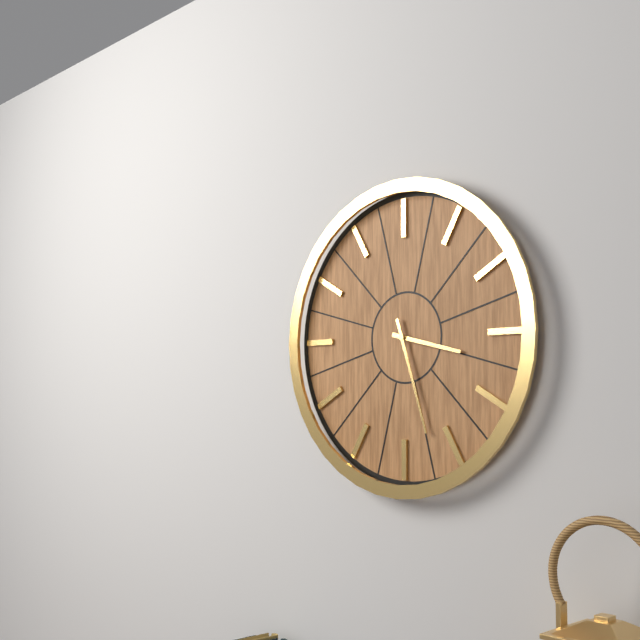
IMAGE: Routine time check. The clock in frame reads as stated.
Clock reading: 3:27
